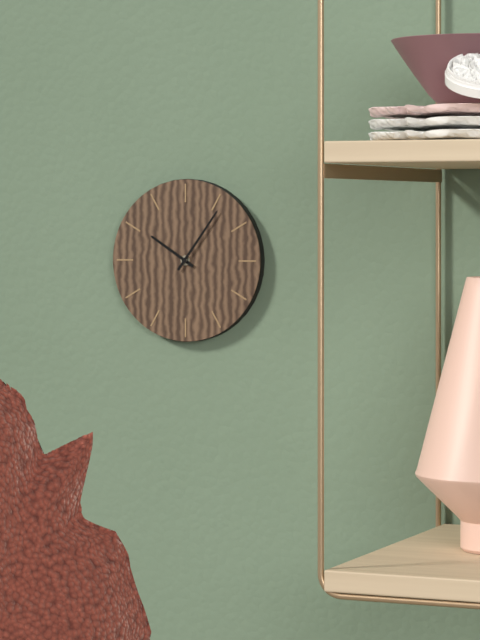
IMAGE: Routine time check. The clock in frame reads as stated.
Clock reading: 10:06
